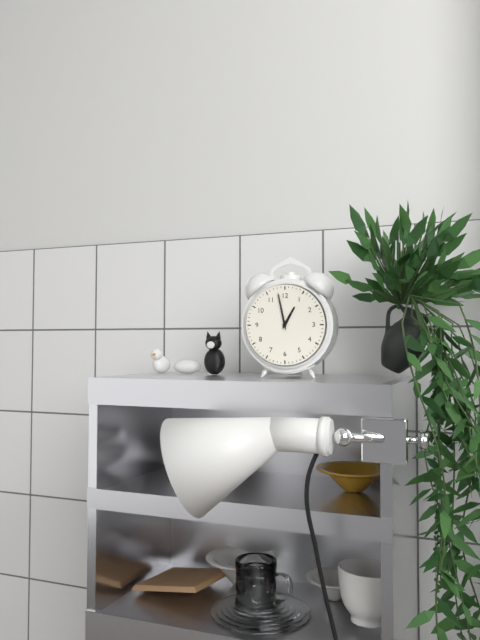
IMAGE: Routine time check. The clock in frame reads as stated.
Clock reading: 12:58
